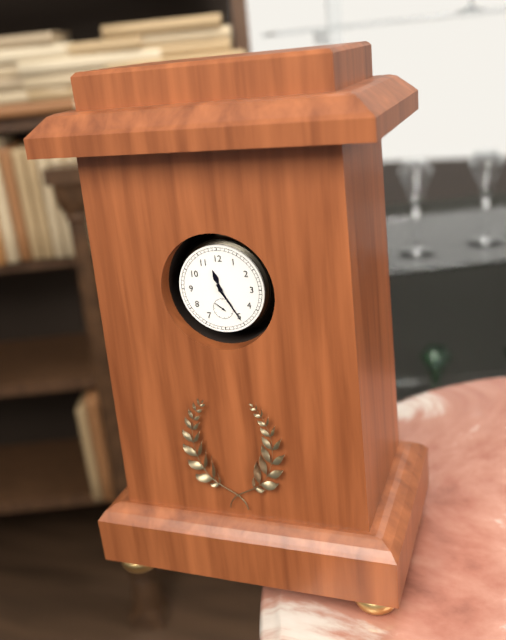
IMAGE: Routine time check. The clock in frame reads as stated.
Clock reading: 11:25
